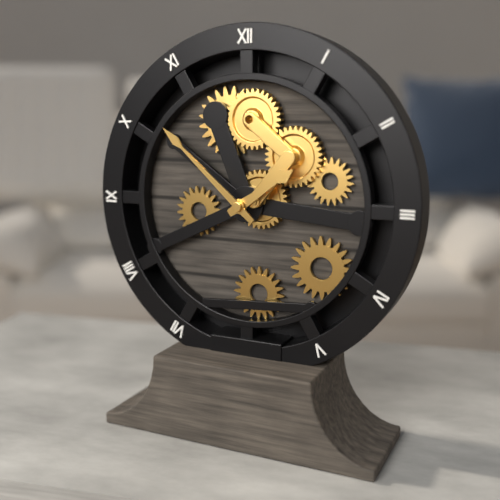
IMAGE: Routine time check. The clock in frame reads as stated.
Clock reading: 1:52
